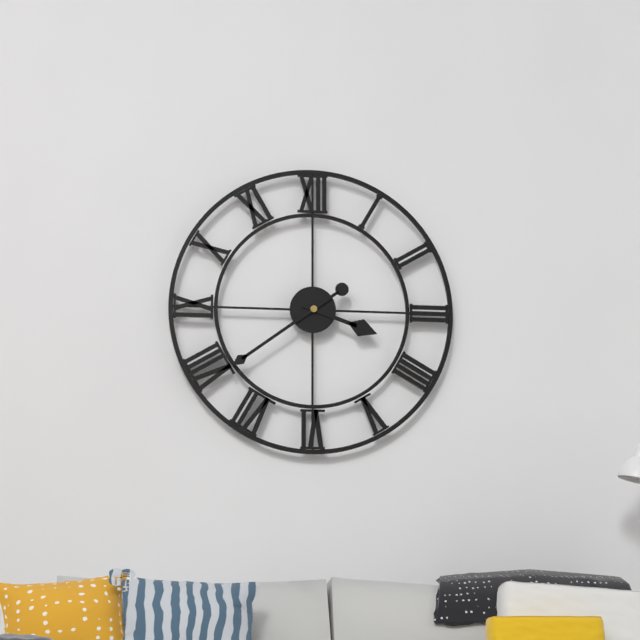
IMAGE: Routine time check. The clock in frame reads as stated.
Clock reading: 3:39
